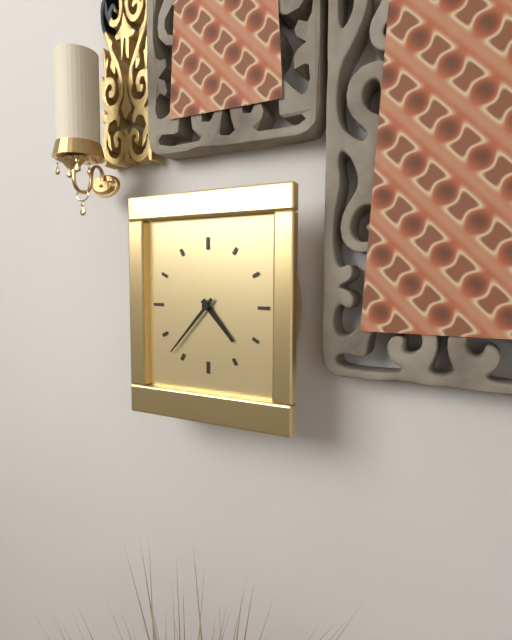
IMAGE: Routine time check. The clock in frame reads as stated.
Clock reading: 4:37
